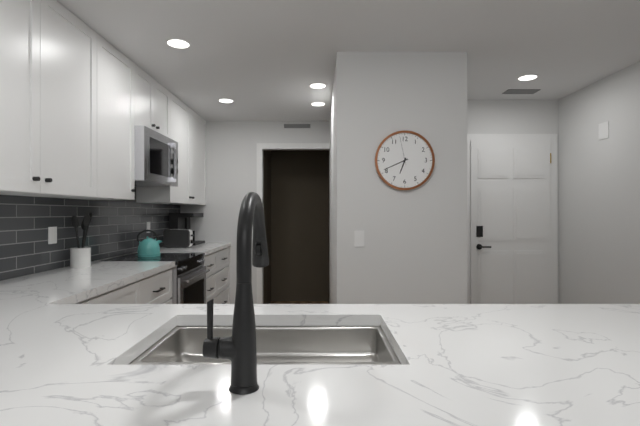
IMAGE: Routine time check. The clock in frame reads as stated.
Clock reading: 6:41
